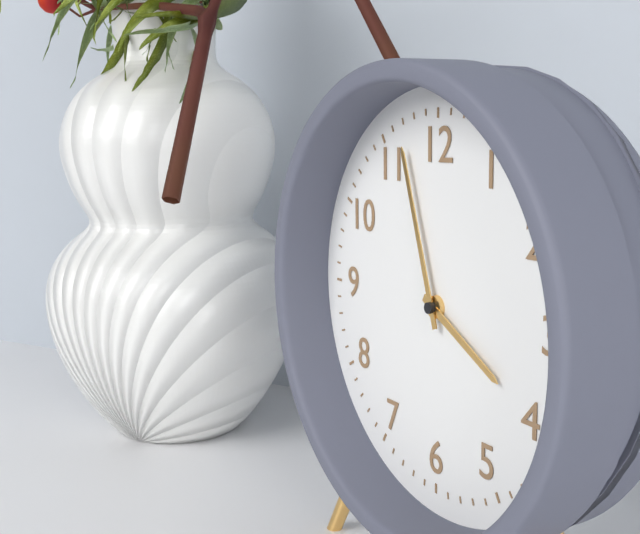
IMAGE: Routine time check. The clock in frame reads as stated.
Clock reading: 3:57
